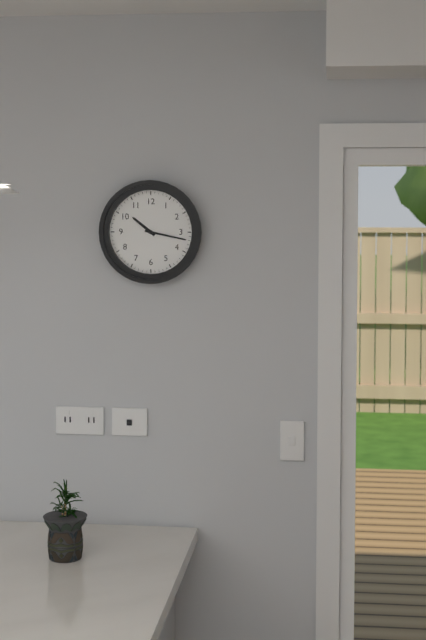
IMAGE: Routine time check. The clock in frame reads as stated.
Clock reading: 10:17
